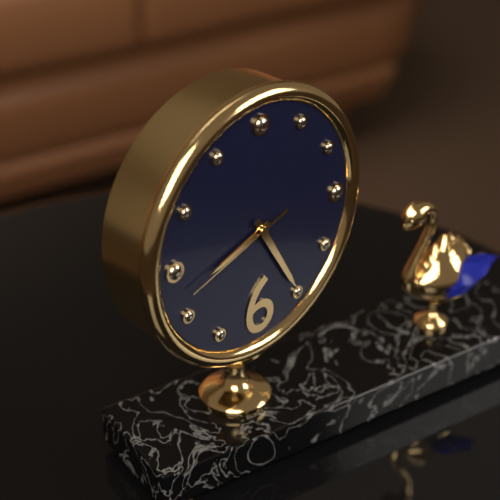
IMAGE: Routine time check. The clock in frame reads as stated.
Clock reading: 8:25:42
